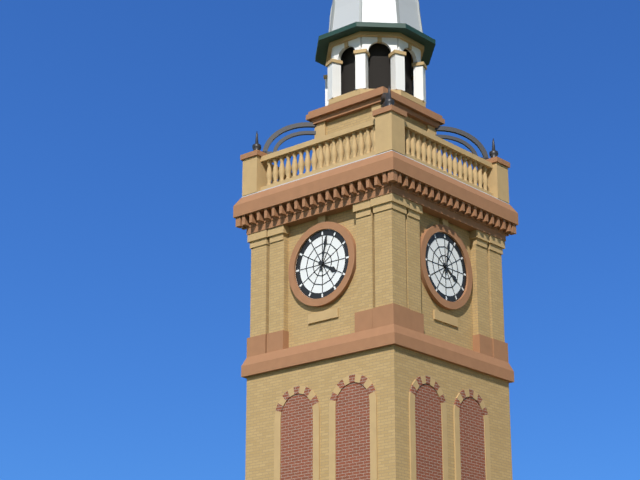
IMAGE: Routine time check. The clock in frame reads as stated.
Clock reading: 4:02
